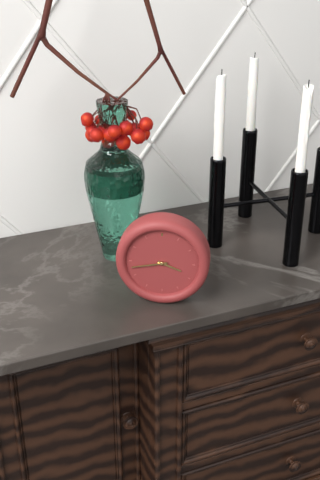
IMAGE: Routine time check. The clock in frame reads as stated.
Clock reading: 3:43
